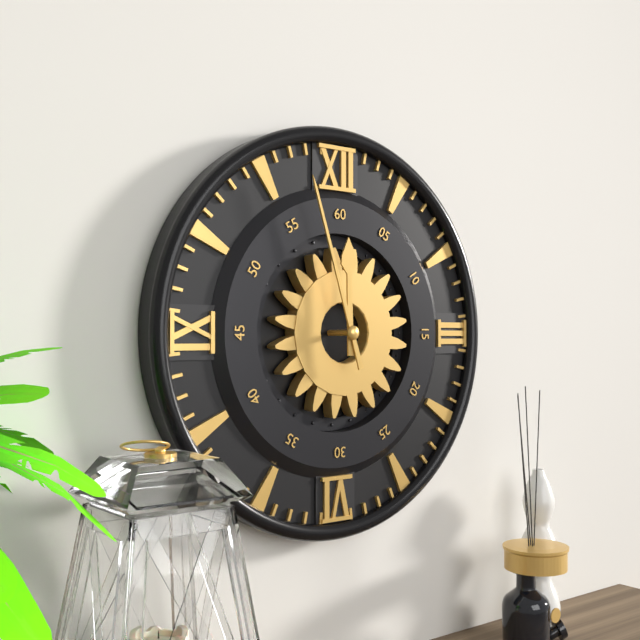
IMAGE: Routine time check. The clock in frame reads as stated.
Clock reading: 11:57
